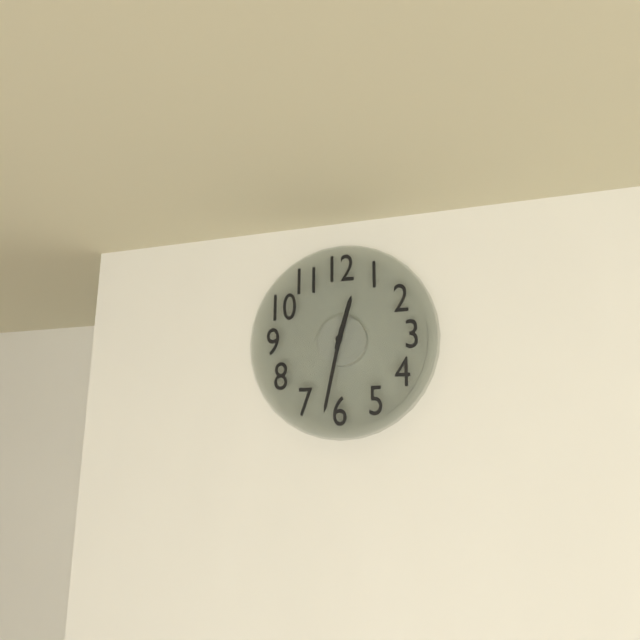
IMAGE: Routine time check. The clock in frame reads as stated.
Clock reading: 12:32
